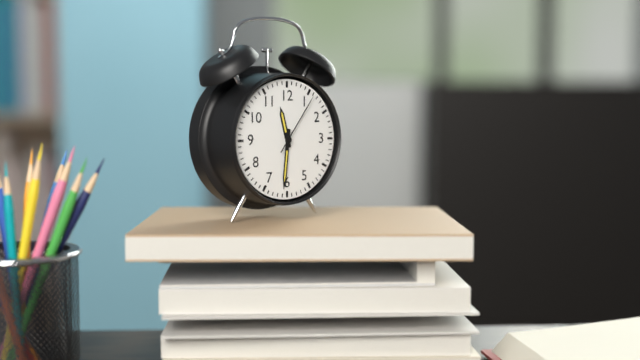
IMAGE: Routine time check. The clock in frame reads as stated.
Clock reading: 11:31:06
